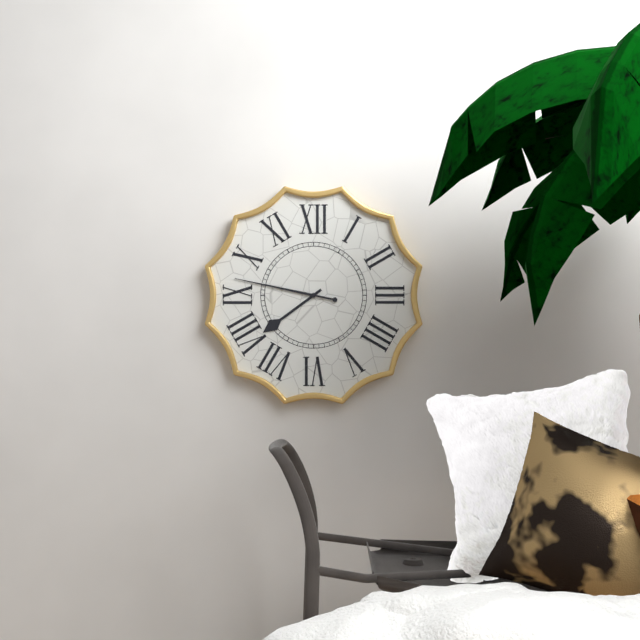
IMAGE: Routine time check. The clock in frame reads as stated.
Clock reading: 7:47
